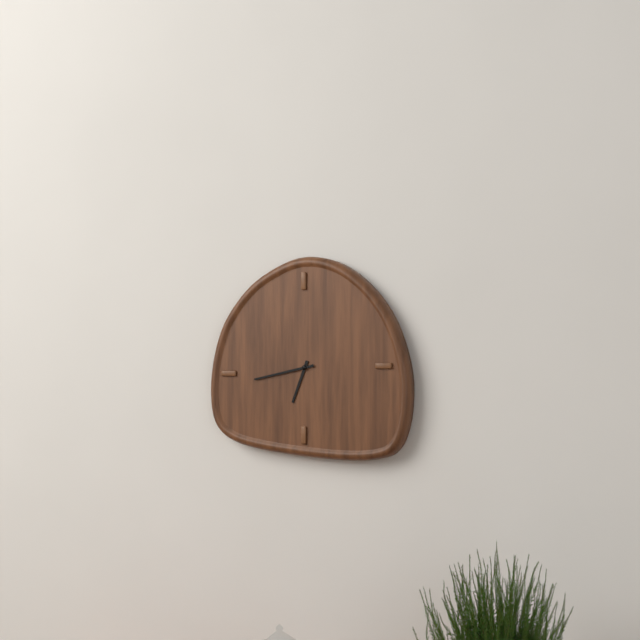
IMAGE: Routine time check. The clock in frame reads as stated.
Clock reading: 6:43
